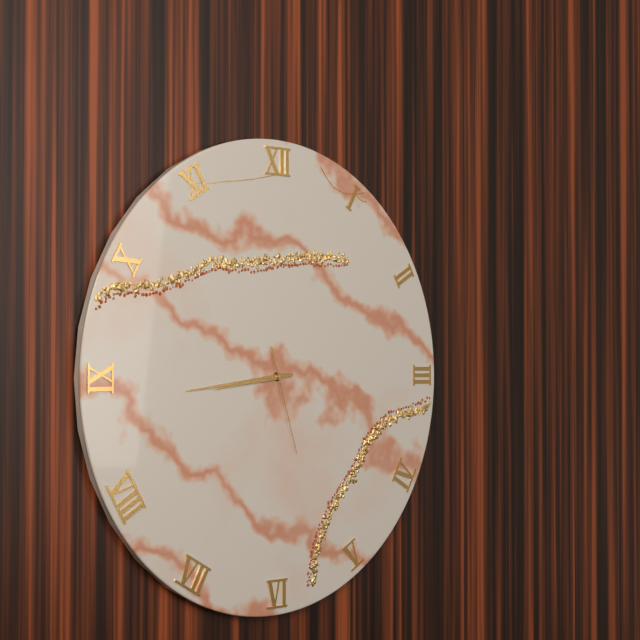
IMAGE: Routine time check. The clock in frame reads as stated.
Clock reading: 8:44:27
